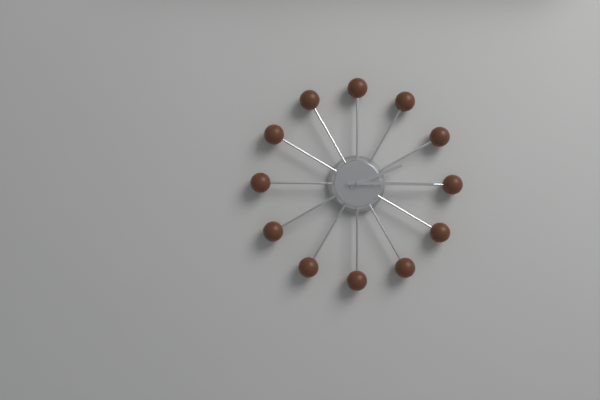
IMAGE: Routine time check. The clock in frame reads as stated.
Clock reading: 2:15
